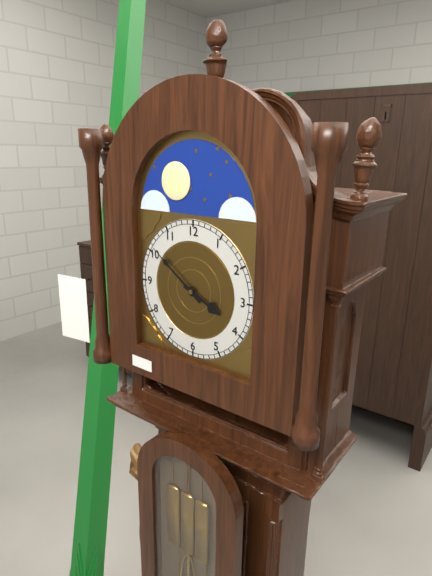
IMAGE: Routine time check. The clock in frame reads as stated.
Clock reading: 3:51
